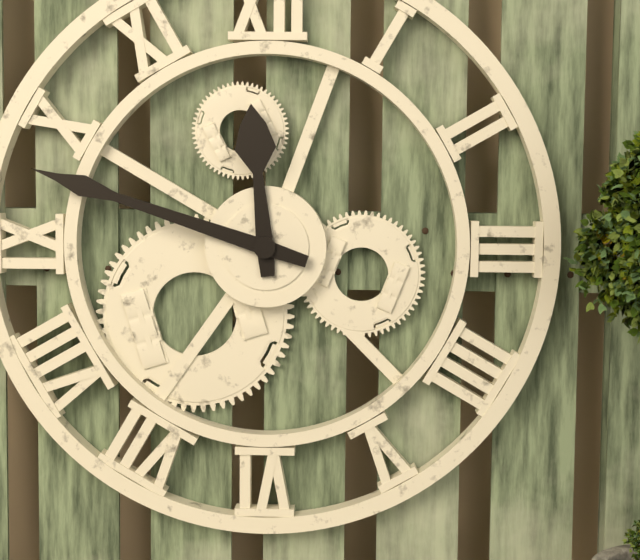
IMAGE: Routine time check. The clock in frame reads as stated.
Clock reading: 11:48
